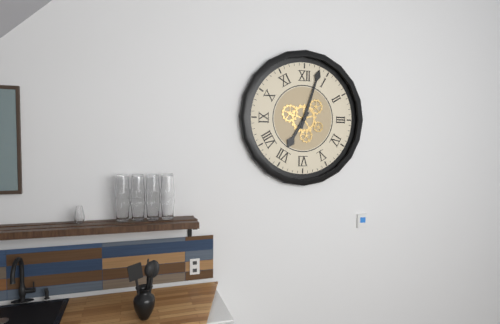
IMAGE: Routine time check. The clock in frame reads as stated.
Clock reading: 7:03
